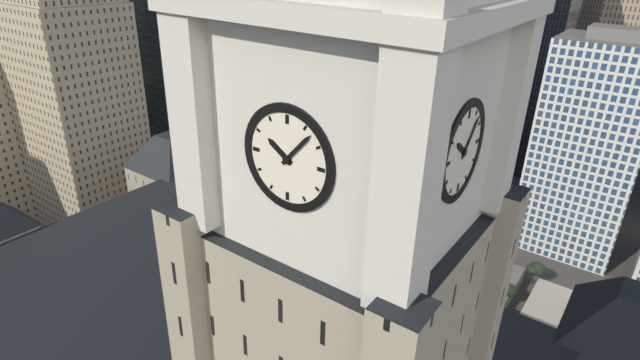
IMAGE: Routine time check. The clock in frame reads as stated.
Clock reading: 10:07
